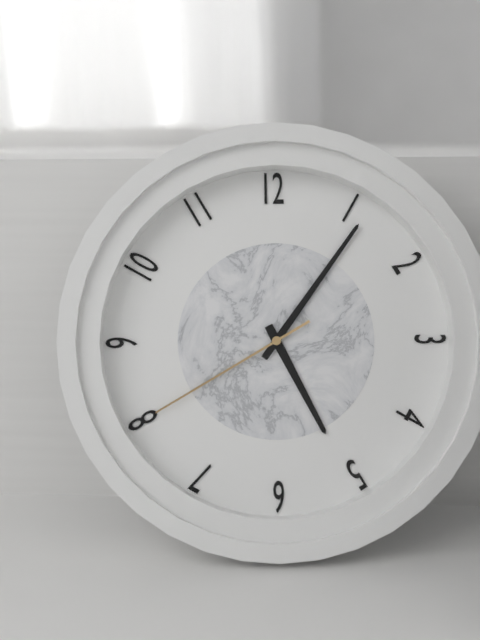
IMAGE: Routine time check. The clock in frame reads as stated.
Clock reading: 5:06:40
